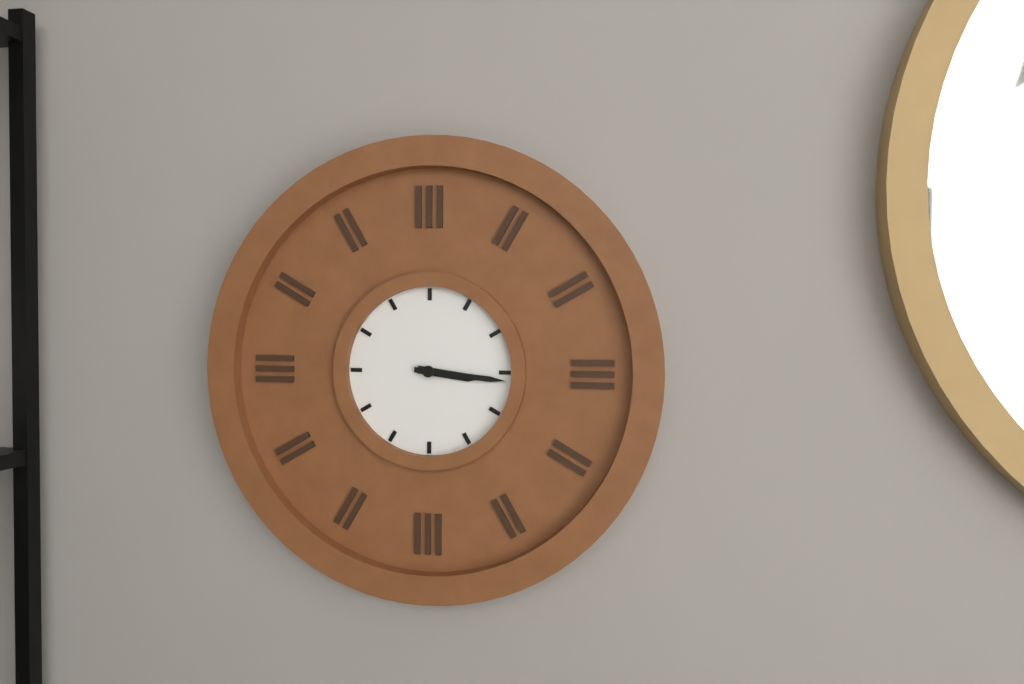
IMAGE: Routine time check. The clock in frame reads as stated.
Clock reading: 3:16
